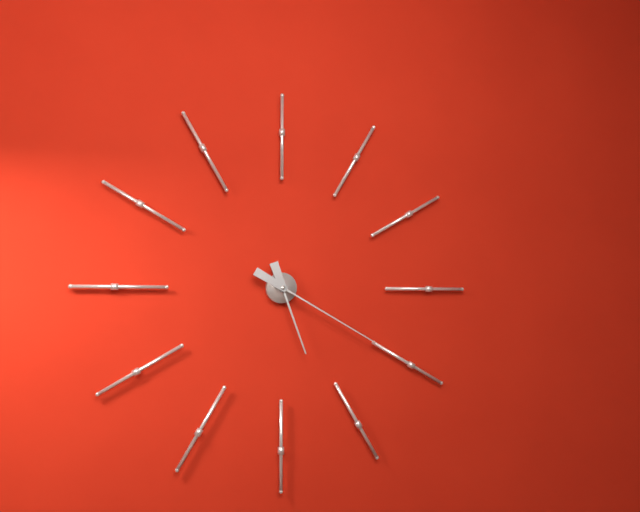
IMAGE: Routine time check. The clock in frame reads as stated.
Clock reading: 5:20
